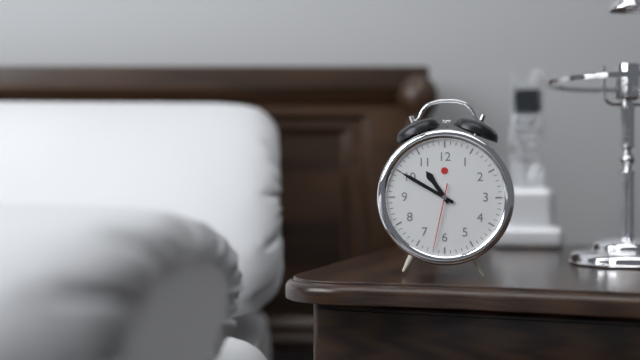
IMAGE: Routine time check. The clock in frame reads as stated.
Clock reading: 10:50:32
